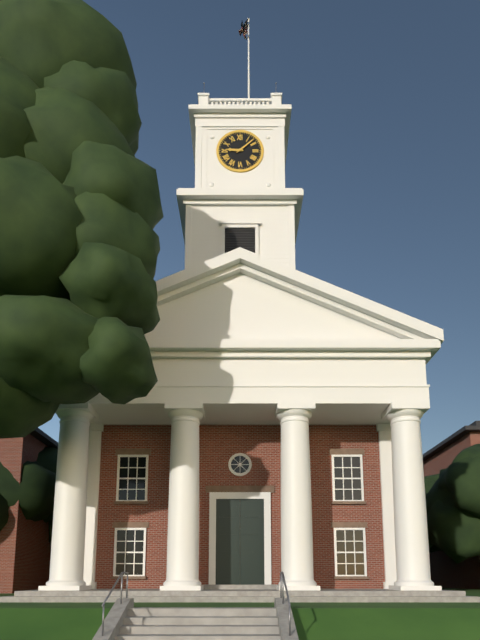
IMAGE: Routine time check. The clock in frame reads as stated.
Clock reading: 9:08
